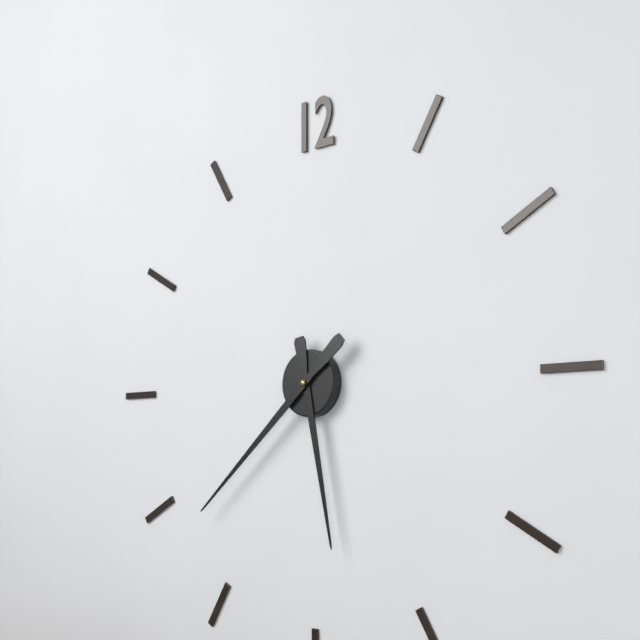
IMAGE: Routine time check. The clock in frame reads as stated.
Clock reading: 5:38
